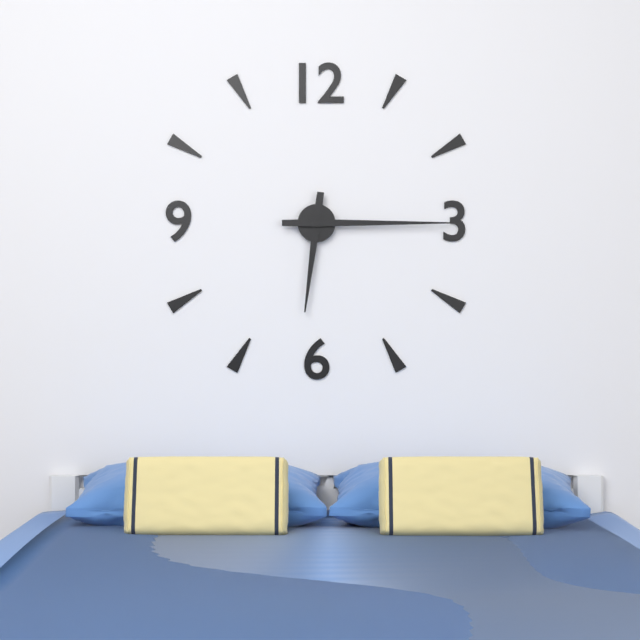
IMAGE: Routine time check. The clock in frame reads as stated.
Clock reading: 6:15
